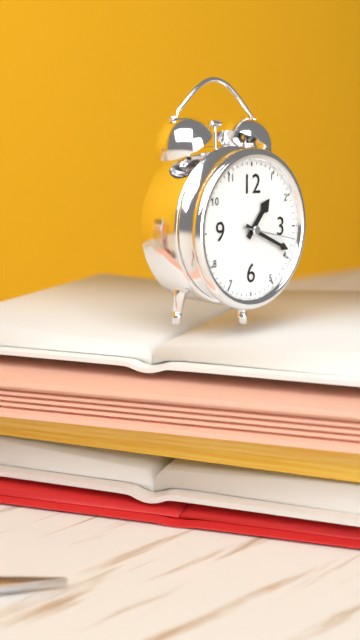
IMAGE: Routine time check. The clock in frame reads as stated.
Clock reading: 1:19
